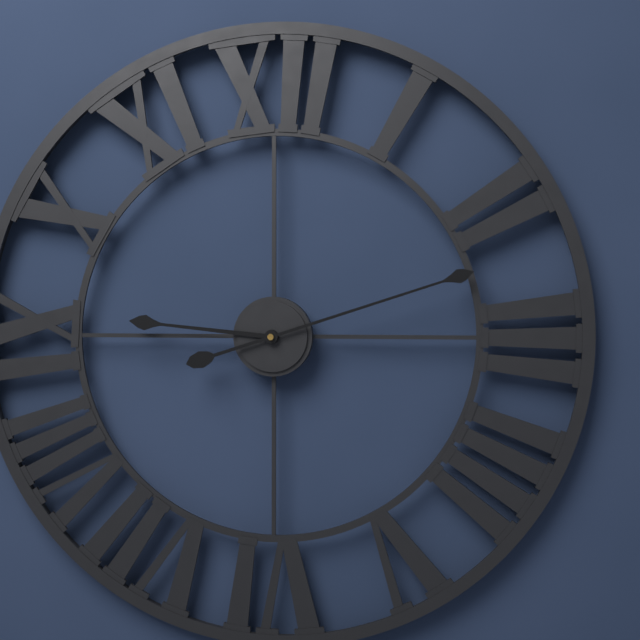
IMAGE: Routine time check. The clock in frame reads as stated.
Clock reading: 9:12
